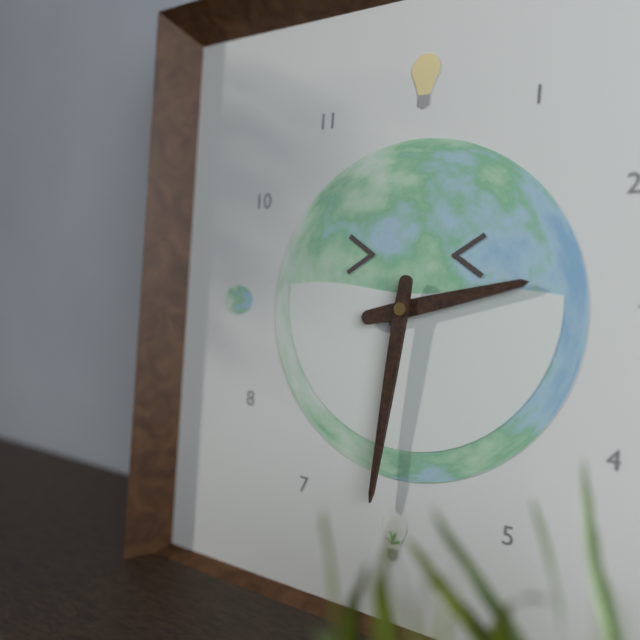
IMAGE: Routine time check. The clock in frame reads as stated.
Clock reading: 2:31
